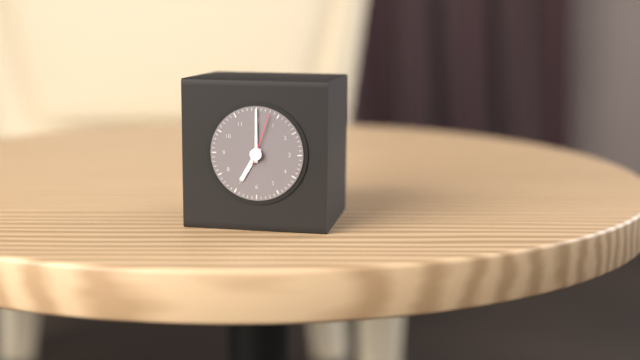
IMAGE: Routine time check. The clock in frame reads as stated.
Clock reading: 7:00:03
